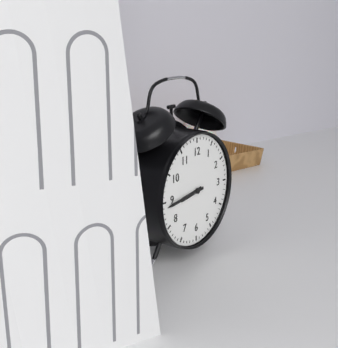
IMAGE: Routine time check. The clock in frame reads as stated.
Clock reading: 8:44
